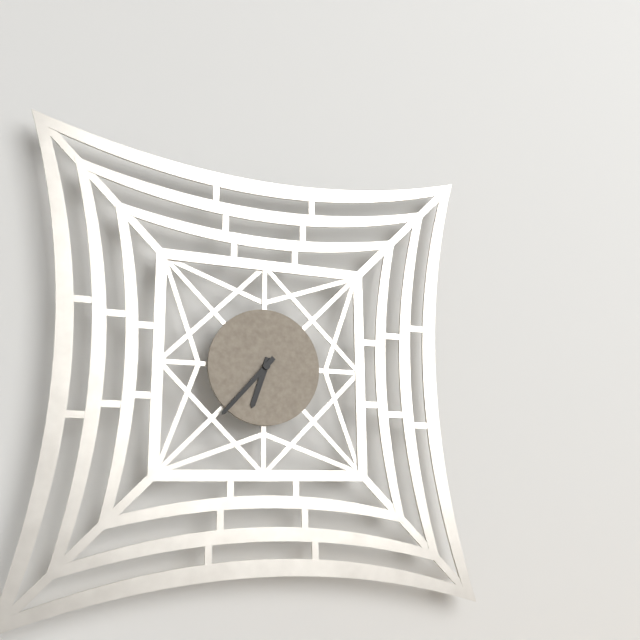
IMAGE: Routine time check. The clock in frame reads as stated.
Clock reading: 6:37
